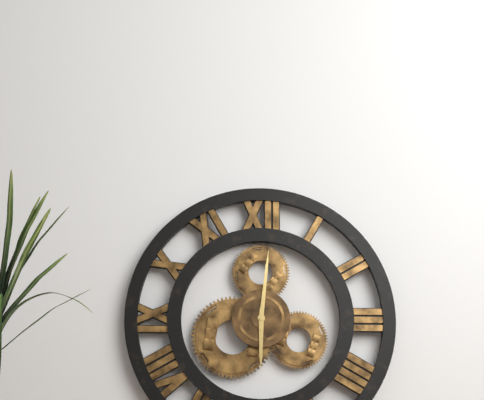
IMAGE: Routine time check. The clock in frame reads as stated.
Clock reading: 6:01
